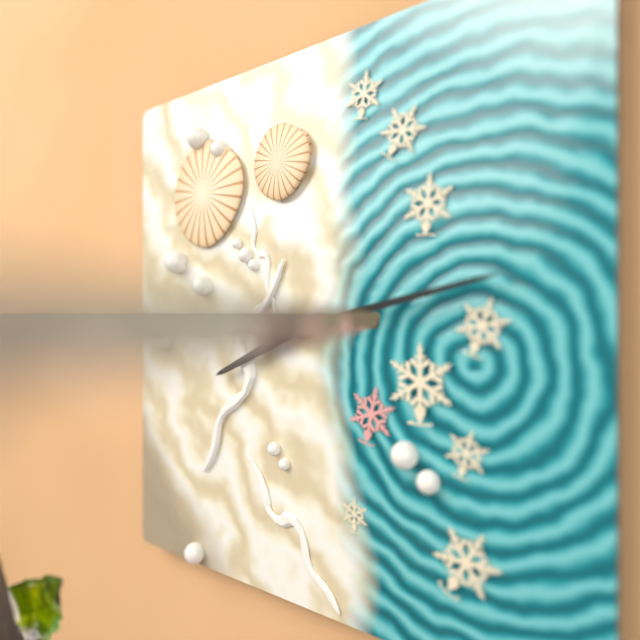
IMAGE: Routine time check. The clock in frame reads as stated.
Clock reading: 8:13
